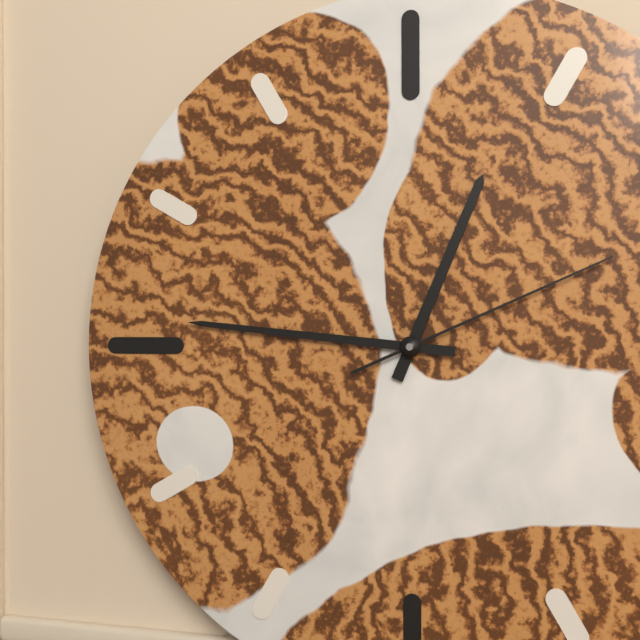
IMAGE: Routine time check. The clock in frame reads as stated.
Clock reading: 12:46:11
